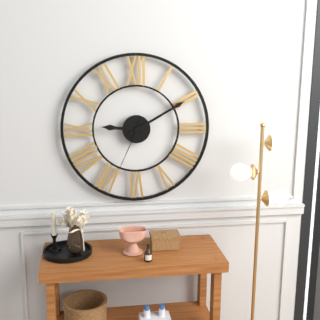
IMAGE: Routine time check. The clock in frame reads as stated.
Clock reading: 9:10:34
